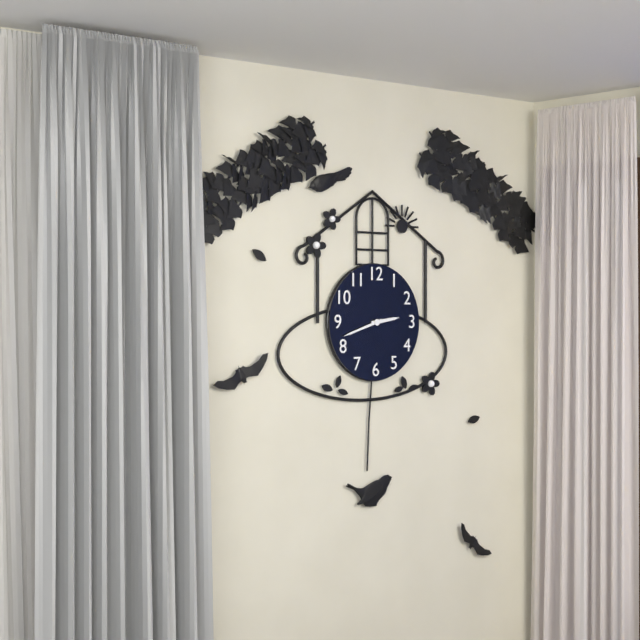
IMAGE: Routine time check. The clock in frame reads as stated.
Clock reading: 2:42
